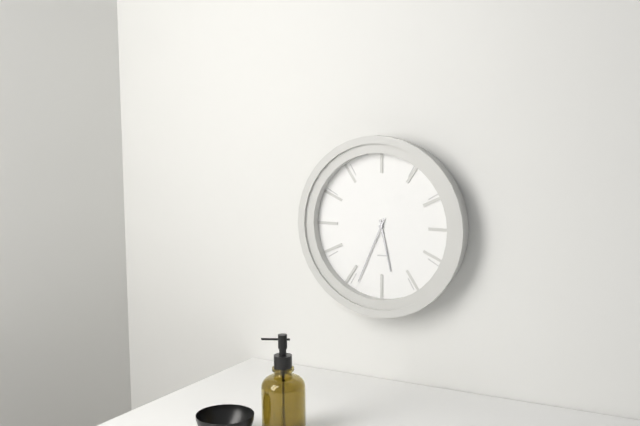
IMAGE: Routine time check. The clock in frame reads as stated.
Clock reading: 5:34
